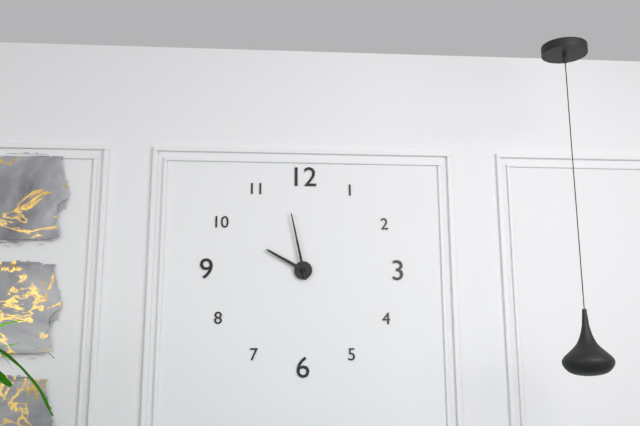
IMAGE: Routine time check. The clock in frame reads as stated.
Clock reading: 9:58
